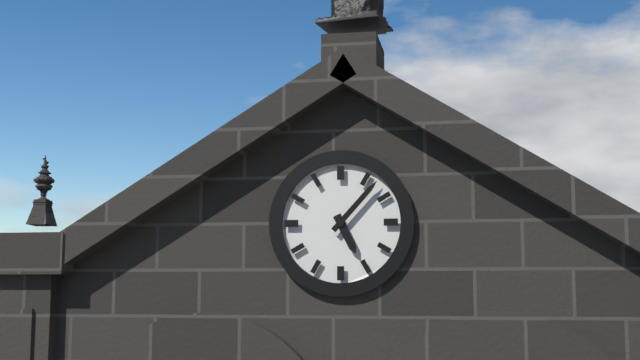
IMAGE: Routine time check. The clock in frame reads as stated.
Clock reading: 5:07
